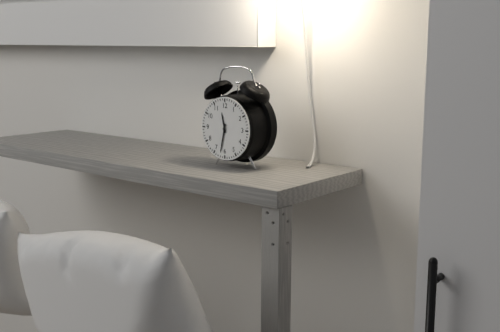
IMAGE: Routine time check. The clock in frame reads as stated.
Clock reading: 11:32
